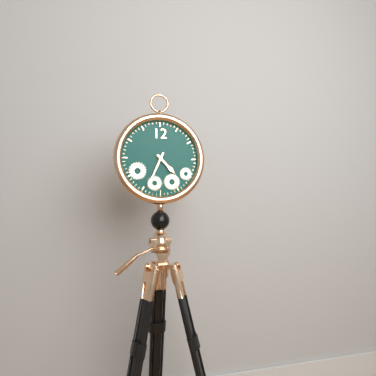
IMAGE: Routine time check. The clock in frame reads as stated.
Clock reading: 4:34
